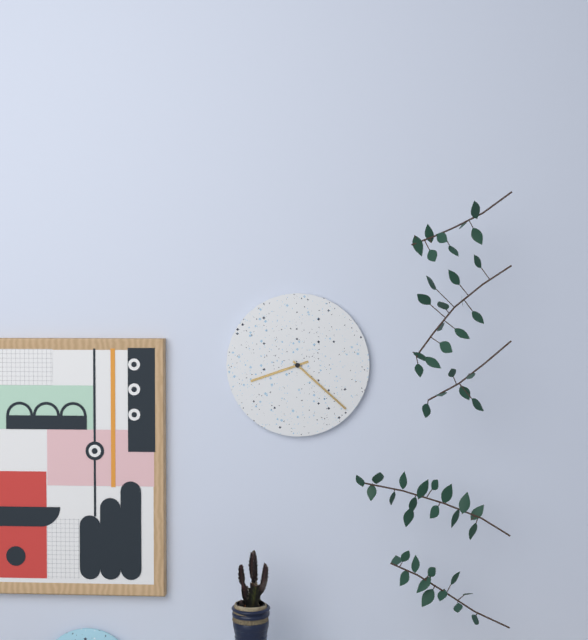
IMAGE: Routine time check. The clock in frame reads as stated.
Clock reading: 8:22
